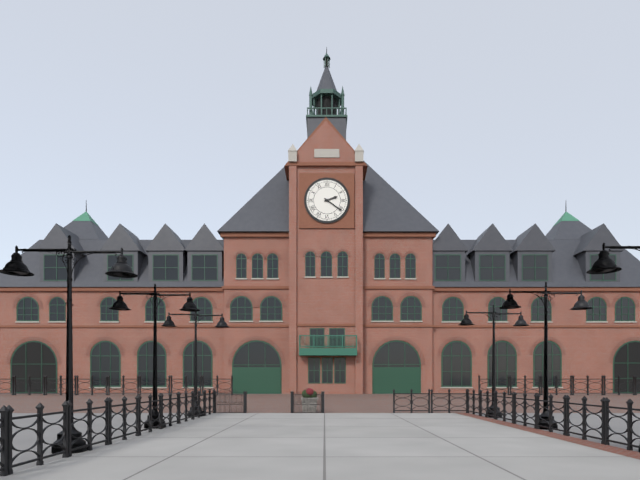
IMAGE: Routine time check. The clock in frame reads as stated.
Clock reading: 2:21
